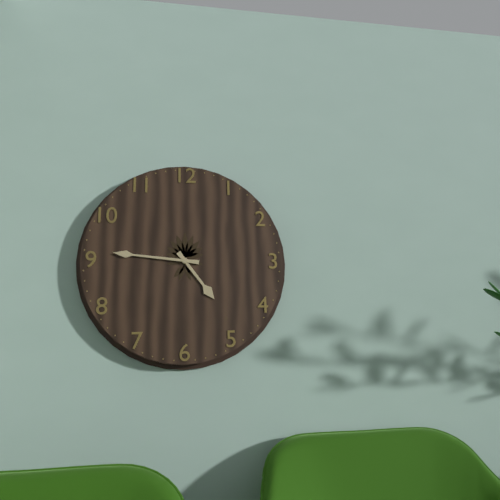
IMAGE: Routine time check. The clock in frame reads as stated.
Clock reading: 4:46
